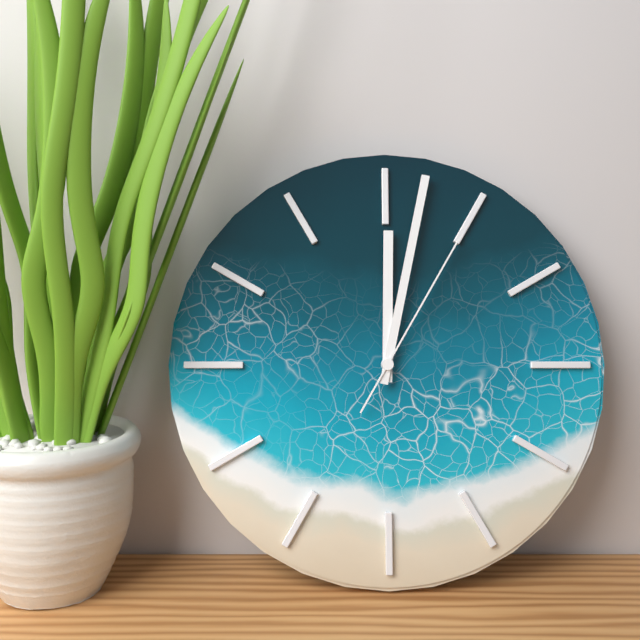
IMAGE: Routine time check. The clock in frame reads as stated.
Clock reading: 12:02:05
